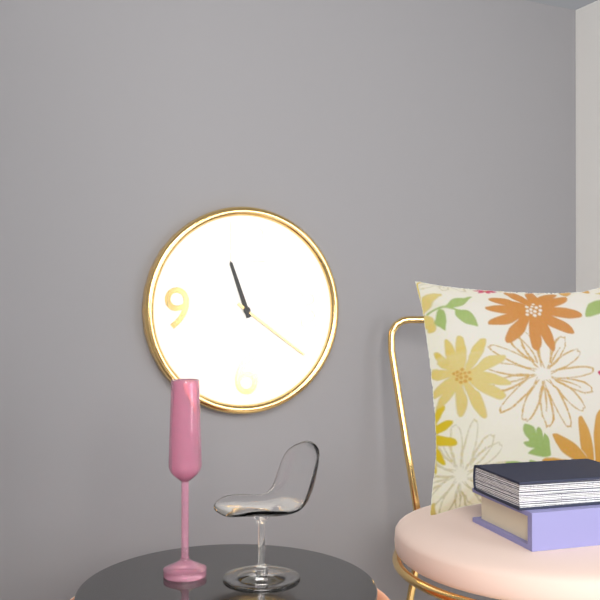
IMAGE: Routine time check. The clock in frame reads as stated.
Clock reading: 11:21
